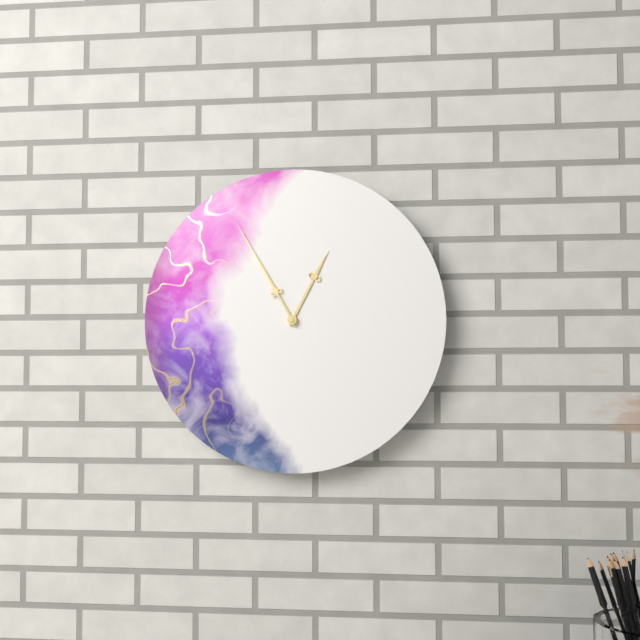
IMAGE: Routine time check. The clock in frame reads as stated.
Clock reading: 12:55
